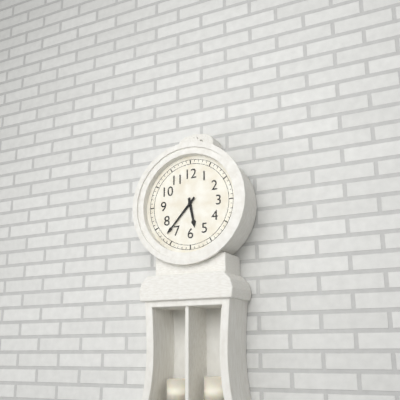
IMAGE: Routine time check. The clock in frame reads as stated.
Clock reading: 5:37
